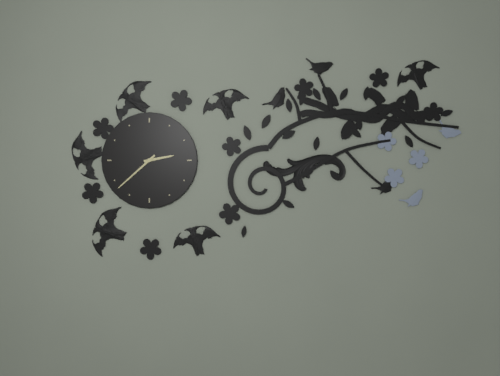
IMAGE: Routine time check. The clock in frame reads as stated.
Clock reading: 2:38
